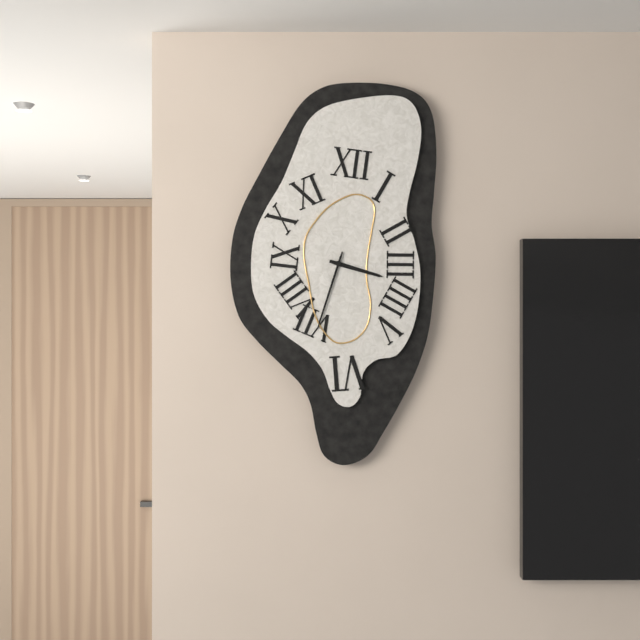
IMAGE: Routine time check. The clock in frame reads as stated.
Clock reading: 3:33
